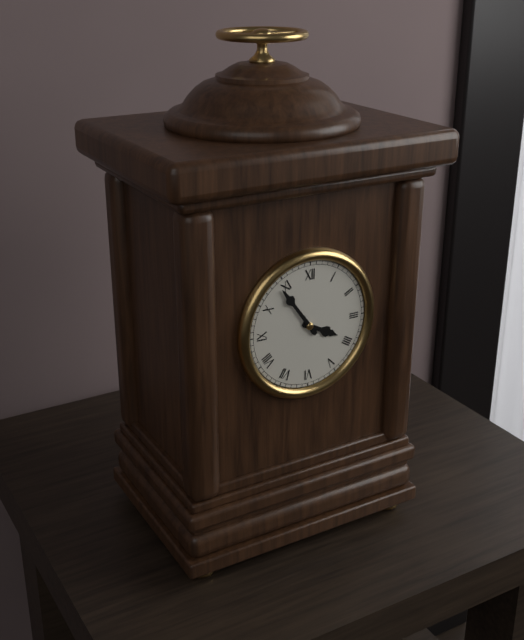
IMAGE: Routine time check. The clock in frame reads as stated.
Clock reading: 3:54
